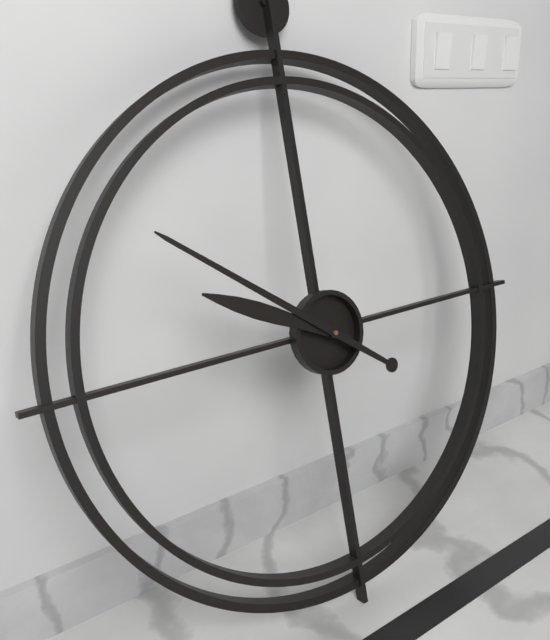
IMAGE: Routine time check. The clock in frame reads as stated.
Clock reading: 9:51
